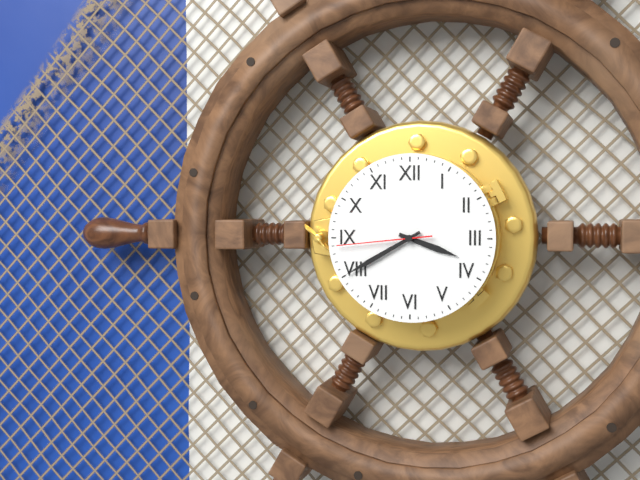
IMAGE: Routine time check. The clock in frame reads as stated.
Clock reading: 3:40:44
